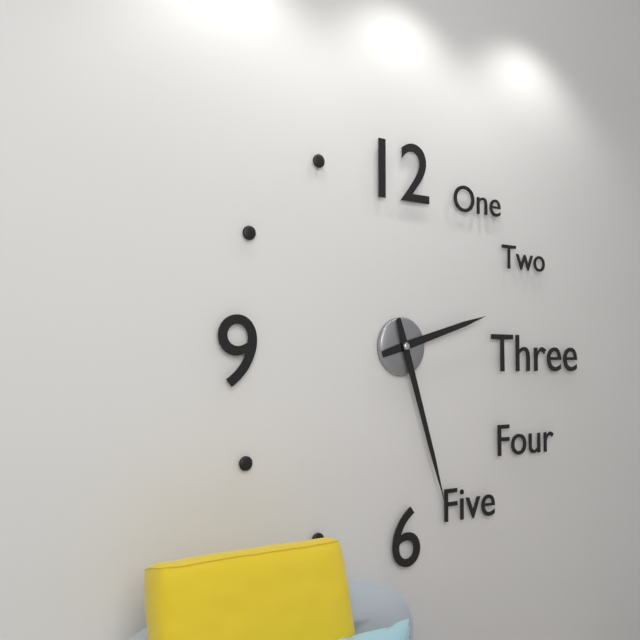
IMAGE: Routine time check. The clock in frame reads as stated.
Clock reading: 2:27
